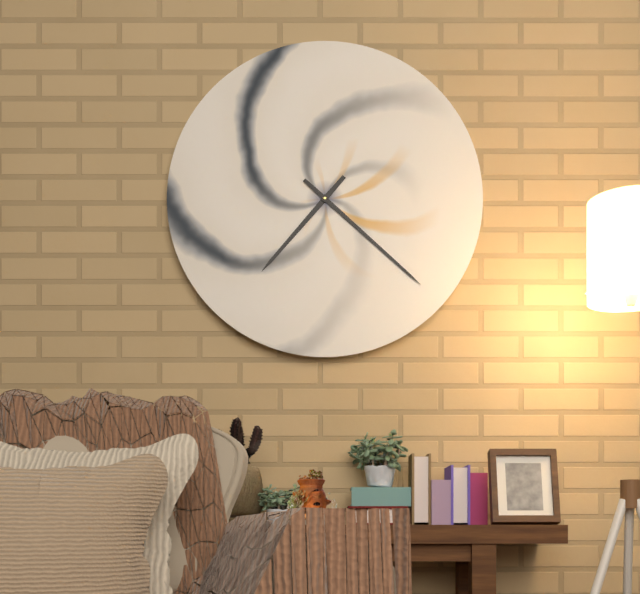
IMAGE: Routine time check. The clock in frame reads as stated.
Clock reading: 7:22
